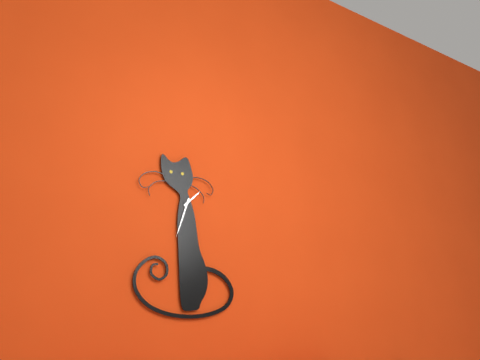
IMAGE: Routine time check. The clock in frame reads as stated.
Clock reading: 1:33
